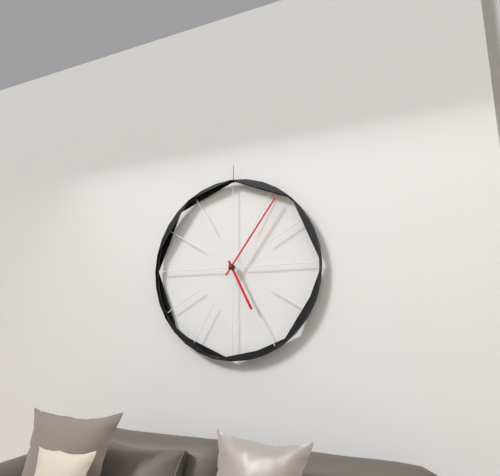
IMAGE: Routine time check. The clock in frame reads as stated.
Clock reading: 5:06
